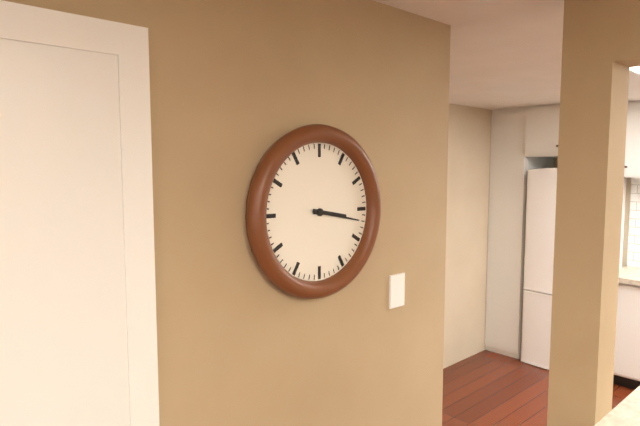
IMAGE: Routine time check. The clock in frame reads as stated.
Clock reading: 3:17
